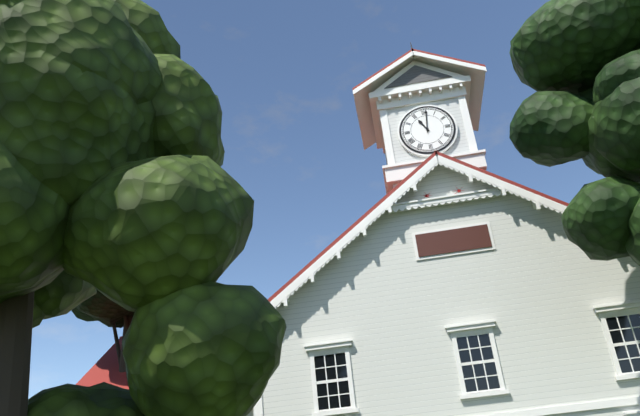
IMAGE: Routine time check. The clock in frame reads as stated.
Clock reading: 11:01
